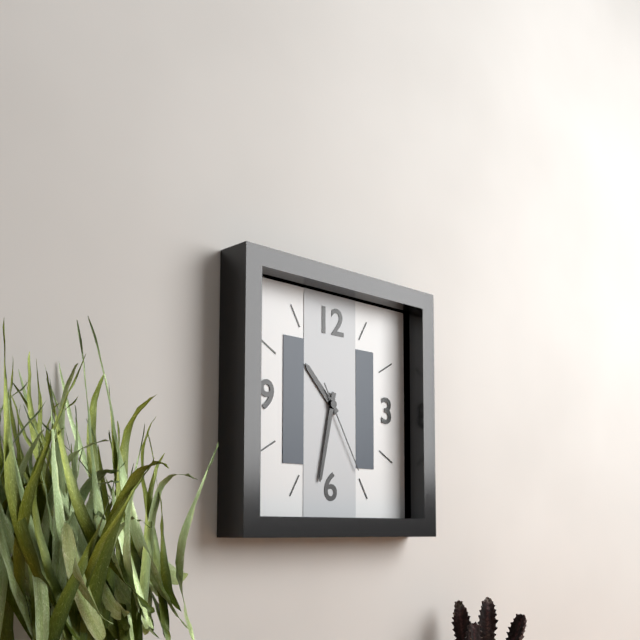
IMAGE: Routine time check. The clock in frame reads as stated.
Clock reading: 10:32:25
